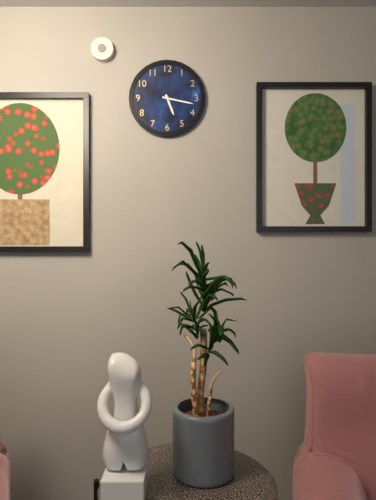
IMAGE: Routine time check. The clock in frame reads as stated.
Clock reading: 5:17
